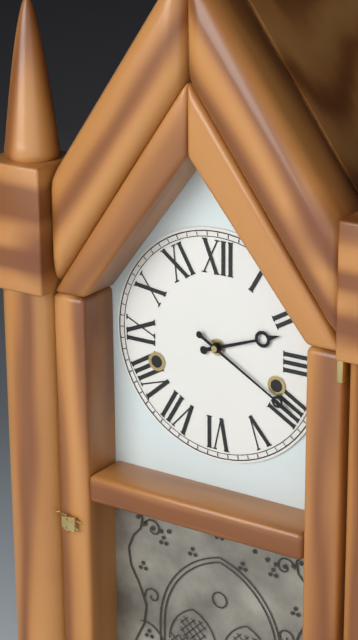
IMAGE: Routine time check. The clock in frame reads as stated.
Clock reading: 2:20
